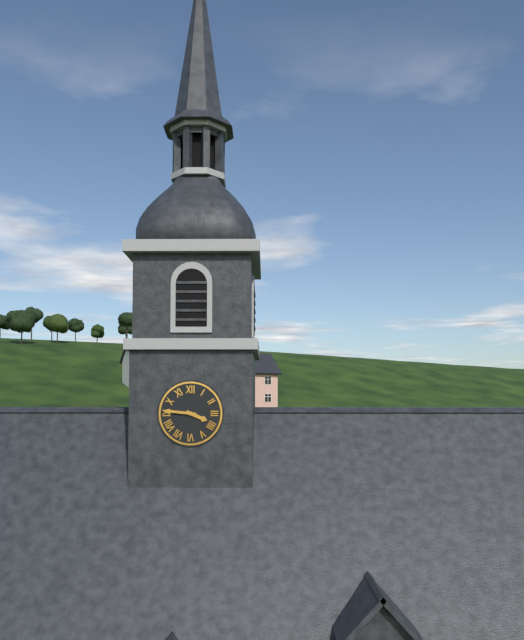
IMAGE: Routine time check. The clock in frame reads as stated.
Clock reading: 3:46
